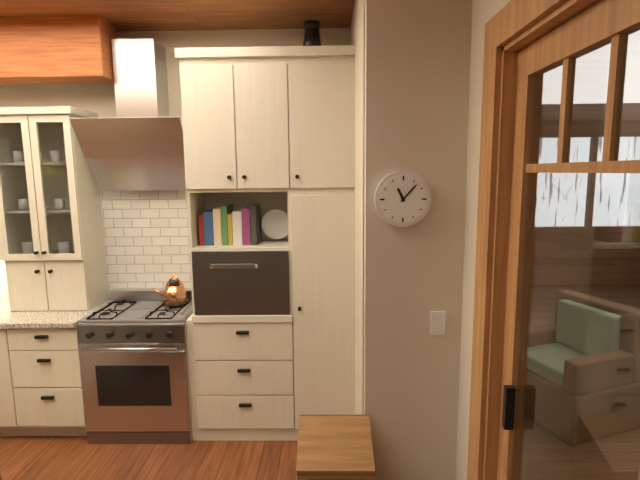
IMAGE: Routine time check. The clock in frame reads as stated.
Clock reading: 11:07
